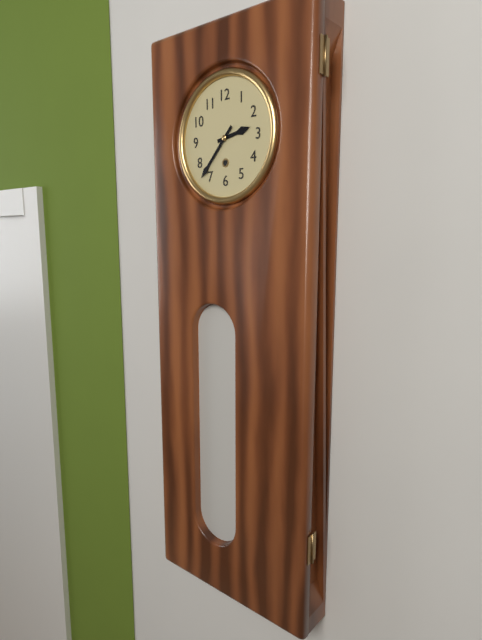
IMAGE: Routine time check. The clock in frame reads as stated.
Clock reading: 2:37
